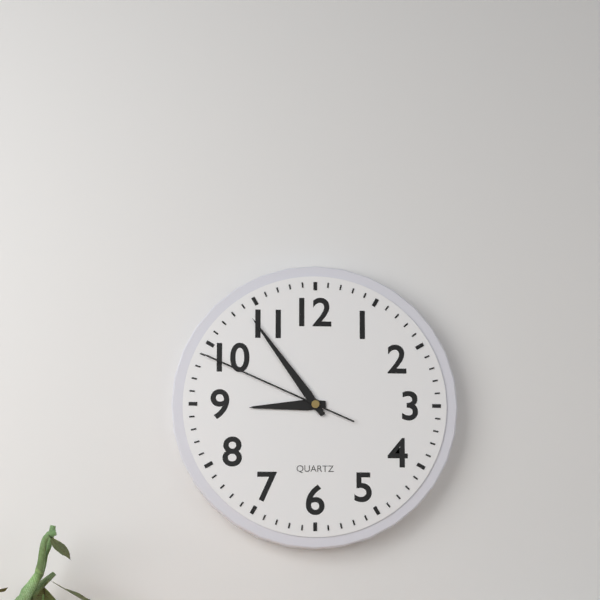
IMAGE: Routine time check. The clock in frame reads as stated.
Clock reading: 8:54:49
